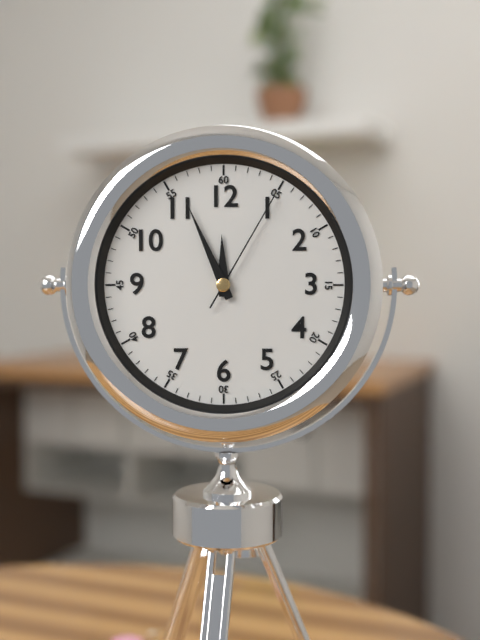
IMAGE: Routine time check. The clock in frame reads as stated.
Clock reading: 11:56:05
